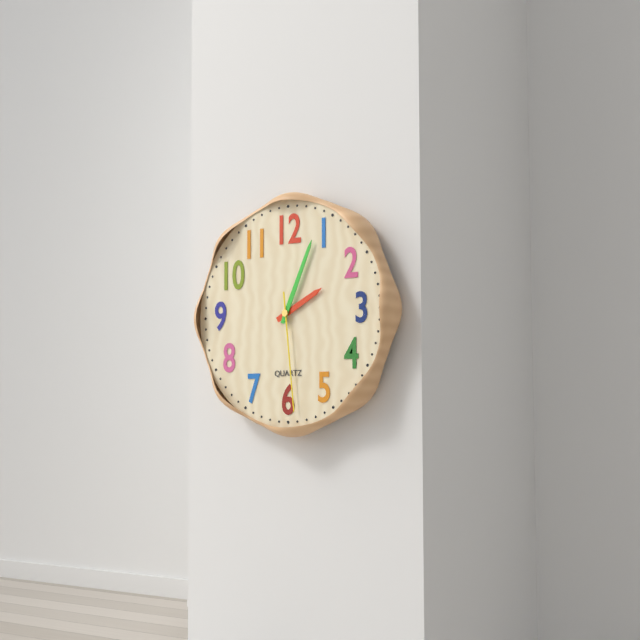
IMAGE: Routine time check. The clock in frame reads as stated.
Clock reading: 2:04:29
